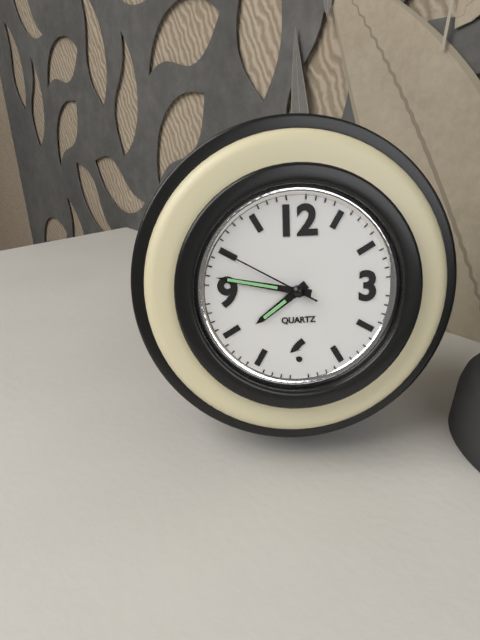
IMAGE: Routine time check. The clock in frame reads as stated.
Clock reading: 7:47:50
